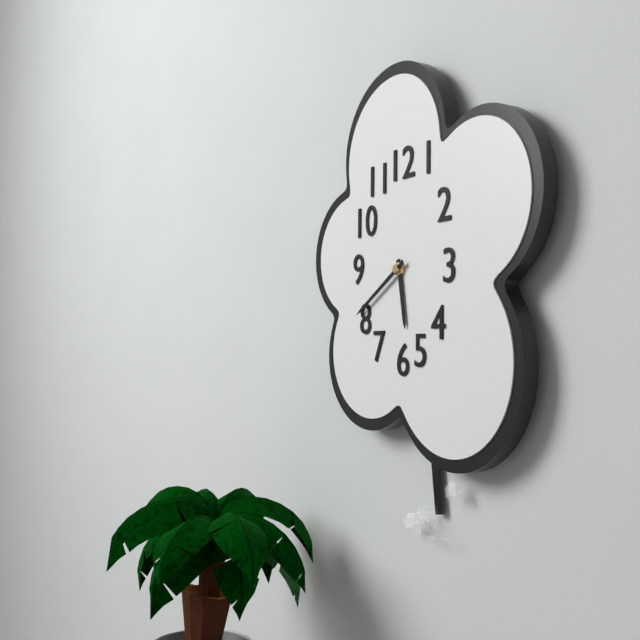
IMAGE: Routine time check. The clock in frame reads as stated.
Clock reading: 5:40
